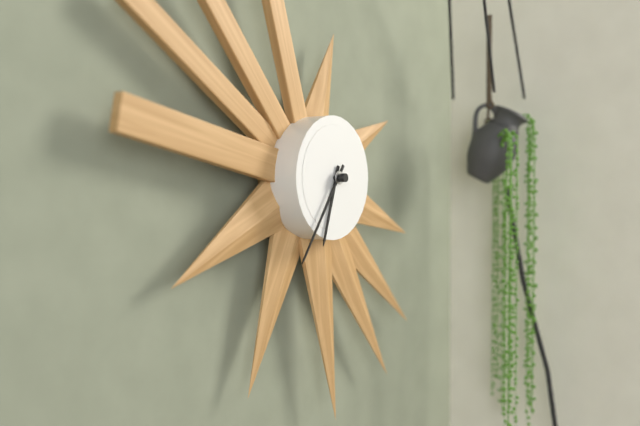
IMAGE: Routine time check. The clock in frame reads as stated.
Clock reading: 6:36
